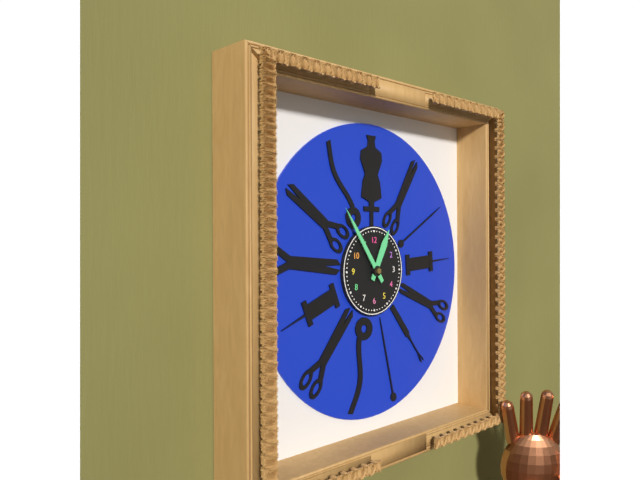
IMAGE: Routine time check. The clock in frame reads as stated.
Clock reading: 12:54
